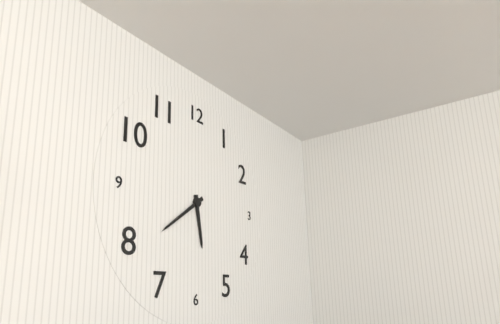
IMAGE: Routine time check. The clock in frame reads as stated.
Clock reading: 5:39
